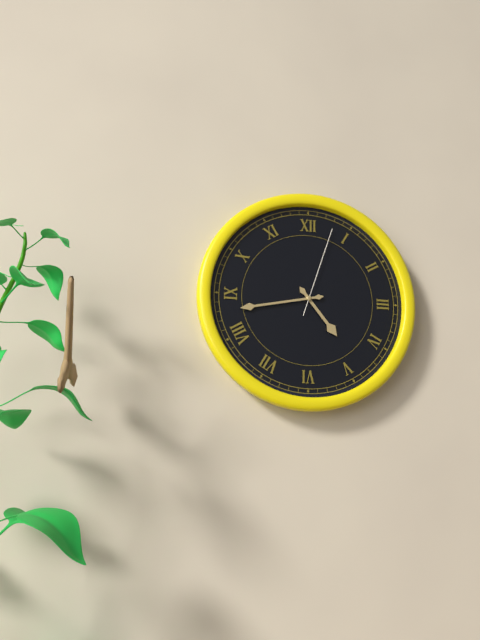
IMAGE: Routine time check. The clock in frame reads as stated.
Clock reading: 4:43:03
